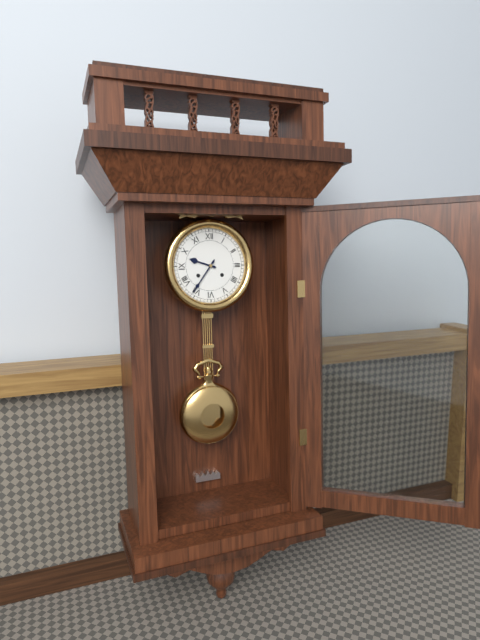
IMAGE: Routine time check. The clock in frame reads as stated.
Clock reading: 9:36
